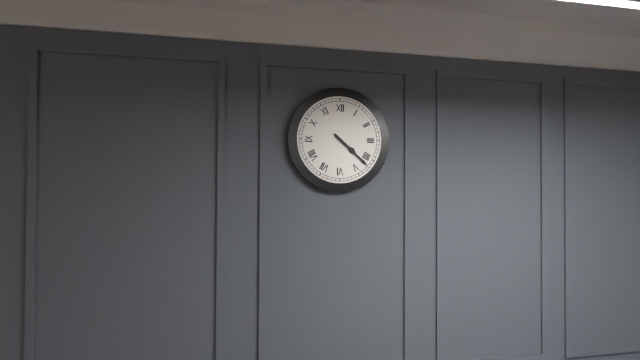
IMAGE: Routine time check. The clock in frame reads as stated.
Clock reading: 4:22
